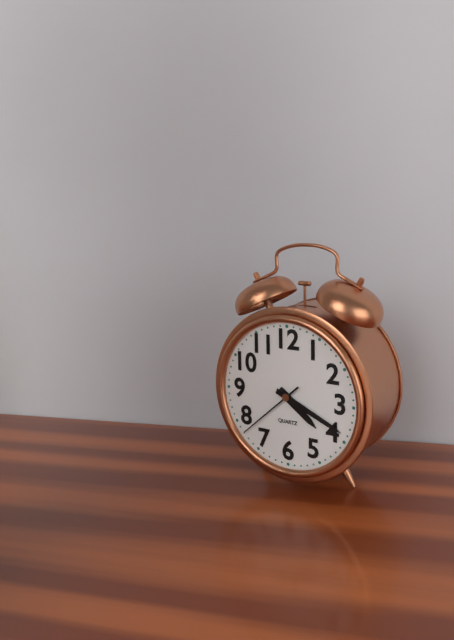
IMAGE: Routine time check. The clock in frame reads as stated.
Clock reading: 4:19:38
